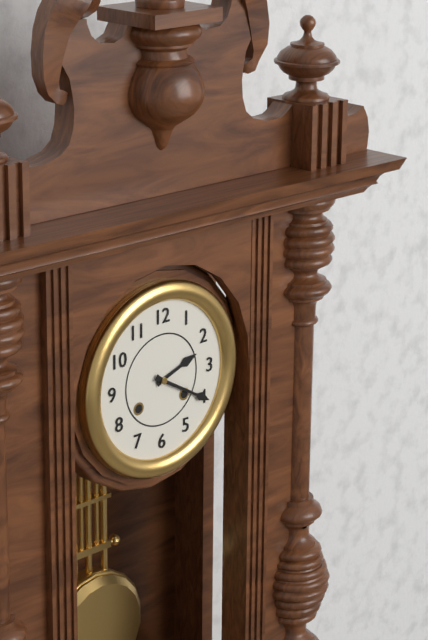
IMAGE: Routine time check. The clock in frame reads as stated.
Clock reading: 2:20
